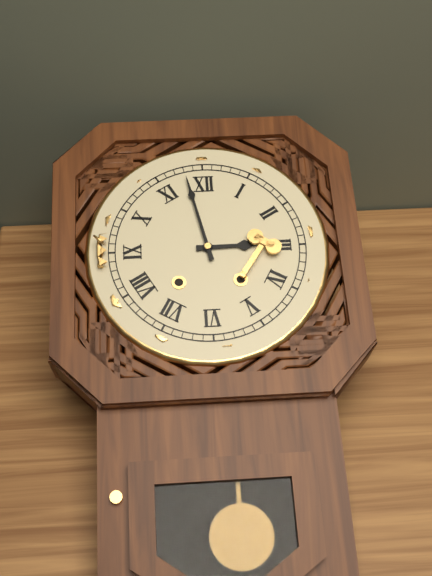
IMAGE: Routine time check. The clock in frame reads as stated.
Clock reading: 2:58
